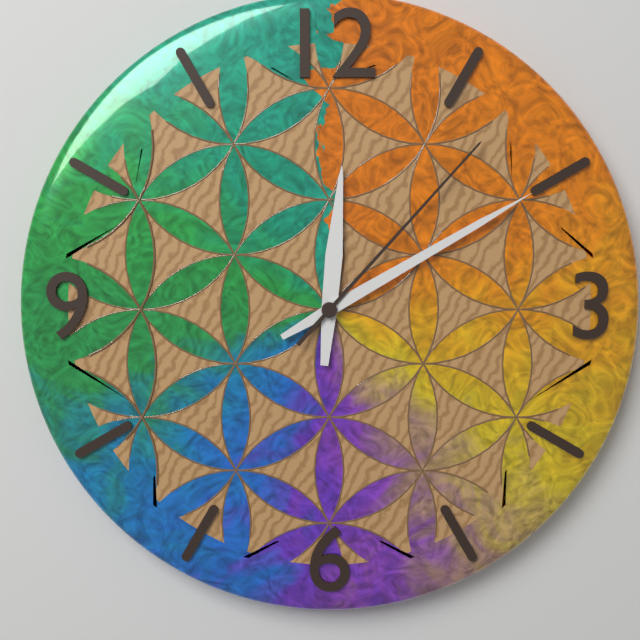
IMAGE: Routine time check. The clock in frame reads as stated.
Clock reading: 12:10:07
